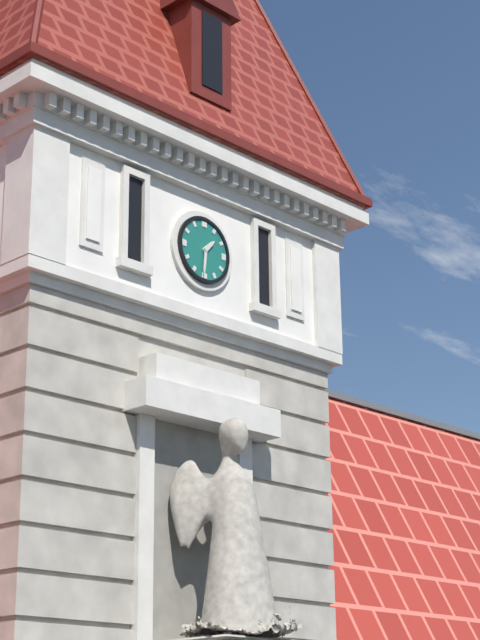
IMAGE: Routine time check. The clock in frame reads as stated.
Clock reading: 1:31
